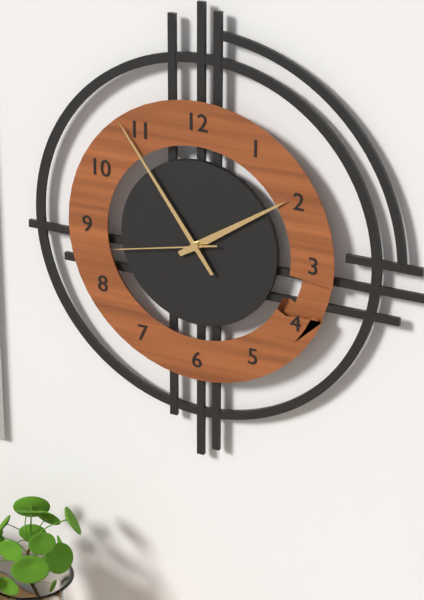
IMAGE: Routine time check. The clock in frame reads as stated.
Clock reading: 1:54:43
